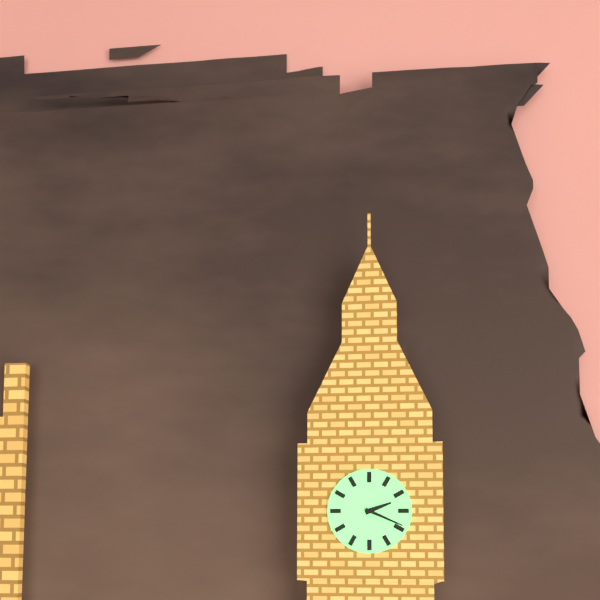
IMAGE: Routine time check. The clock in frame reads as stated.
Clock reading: 2:19
